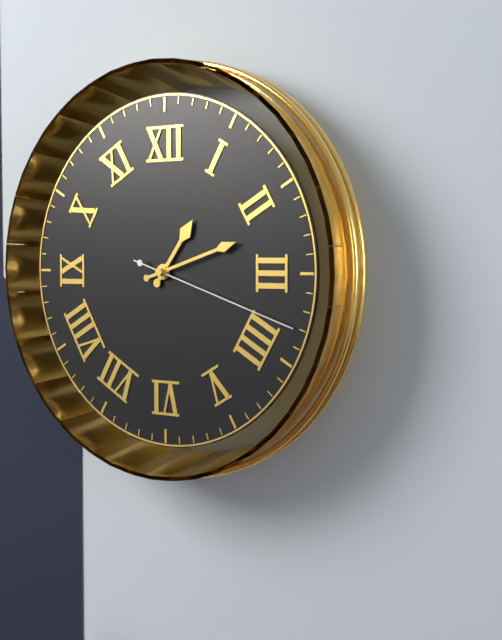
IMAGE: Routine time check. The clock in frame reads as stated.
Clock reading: 1:12:18
